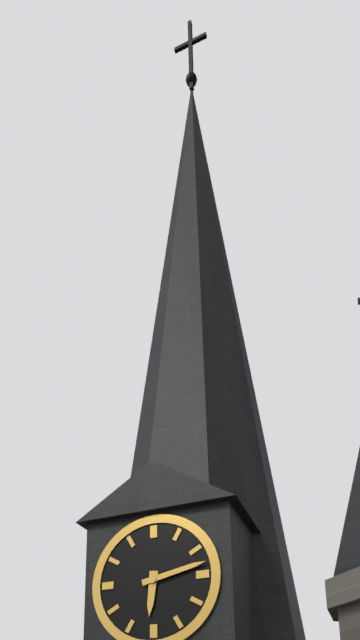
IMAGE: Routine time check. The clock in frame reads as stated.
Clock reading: 6:13
